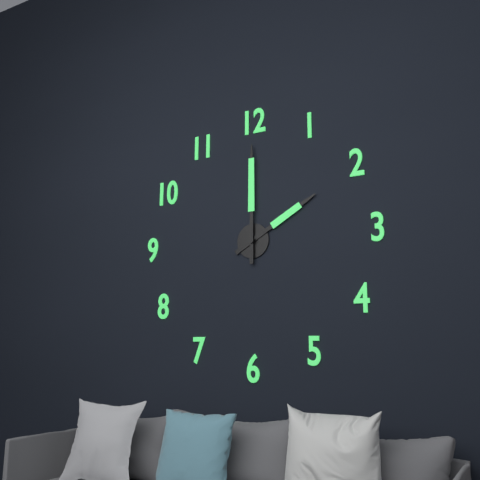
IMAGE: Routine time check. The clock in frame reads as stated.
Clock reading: 2:00
